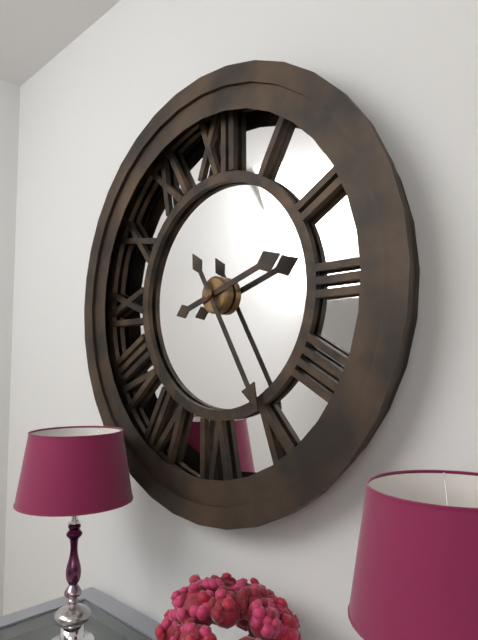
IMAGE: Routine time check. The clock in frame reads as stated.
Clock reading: 2:25
